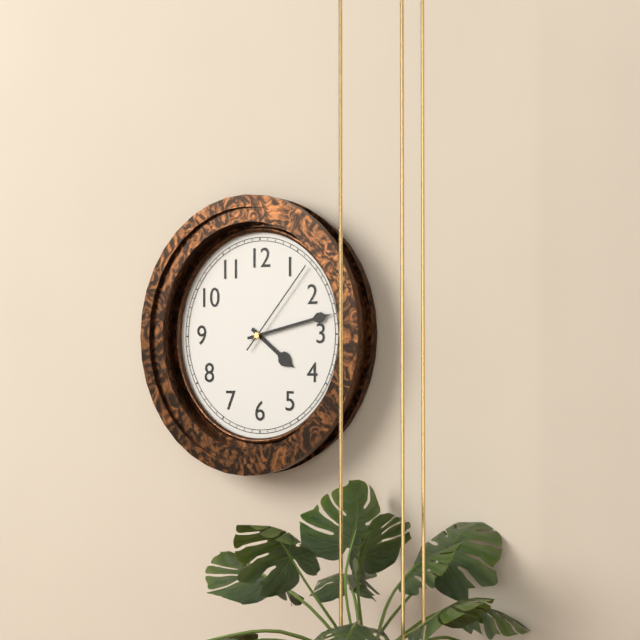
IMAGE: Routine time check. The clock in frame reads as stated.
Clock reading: 4:13:07
